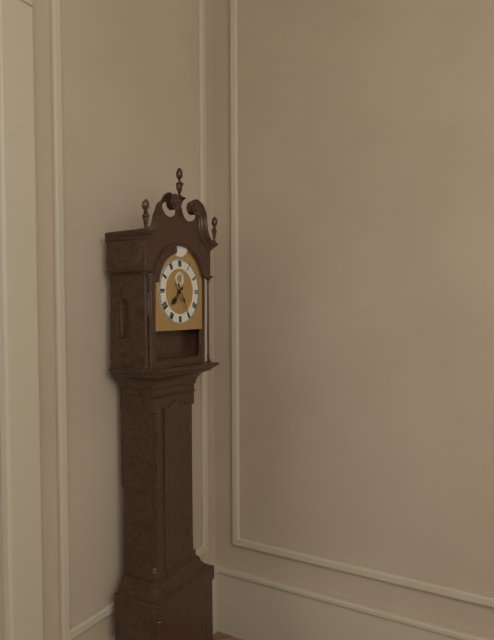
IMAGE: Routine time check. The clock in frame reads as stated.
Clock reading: 7:25
